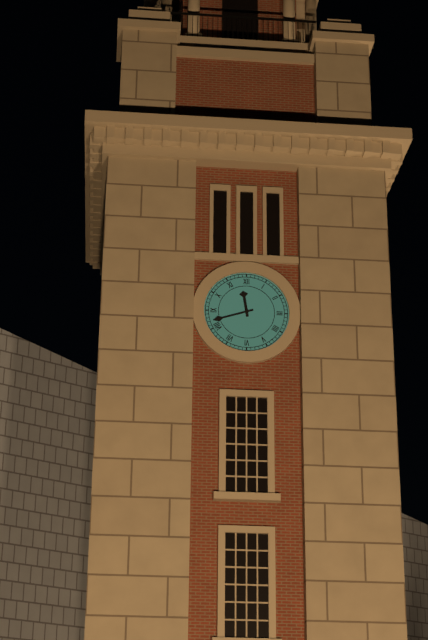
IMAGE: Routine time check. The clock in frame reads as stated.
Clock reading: 11:42
